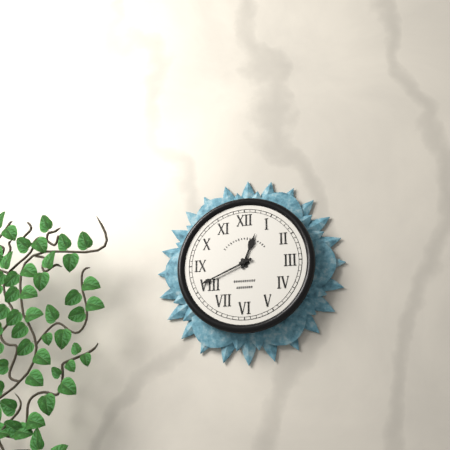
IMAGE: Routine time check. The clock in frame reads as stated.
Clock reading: 12:41
